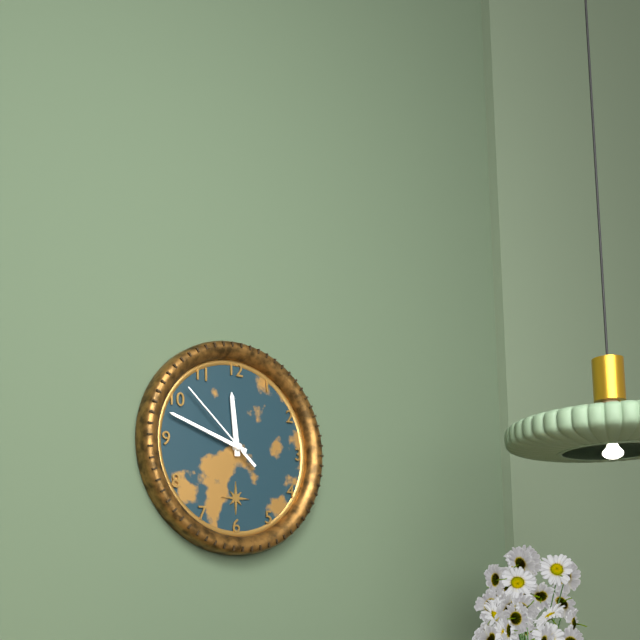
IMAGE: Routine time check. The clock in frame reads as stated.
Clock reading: 11:48:52
